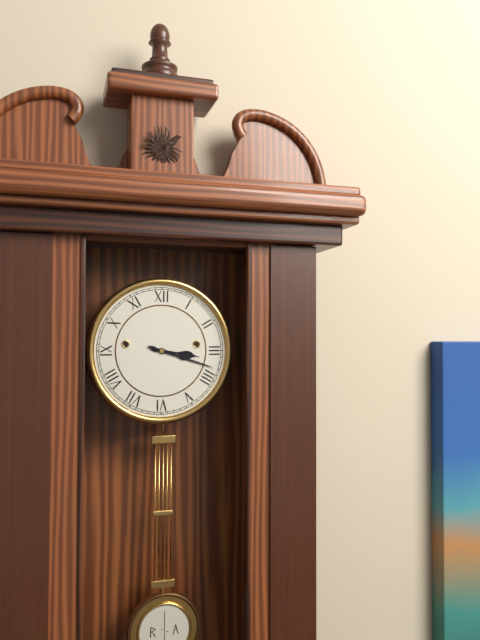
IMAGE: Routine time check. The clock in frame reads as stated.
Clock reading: 3:18
